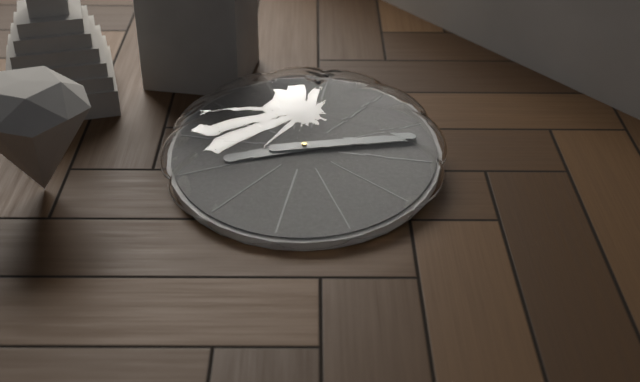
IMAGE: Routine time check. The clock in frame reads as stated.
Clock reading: 8:12
